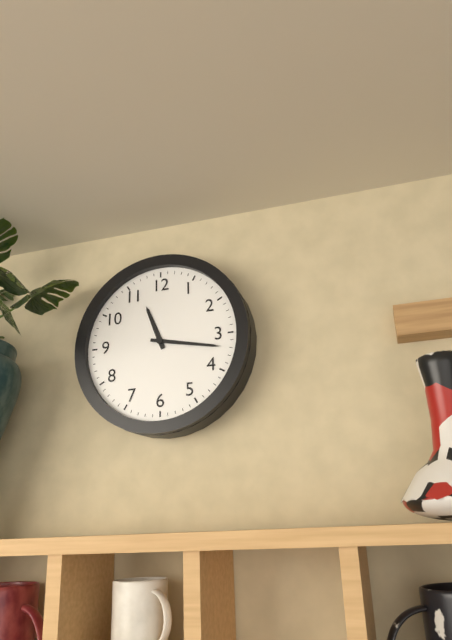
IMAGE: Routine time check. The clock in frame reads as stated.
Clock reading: 11:17
